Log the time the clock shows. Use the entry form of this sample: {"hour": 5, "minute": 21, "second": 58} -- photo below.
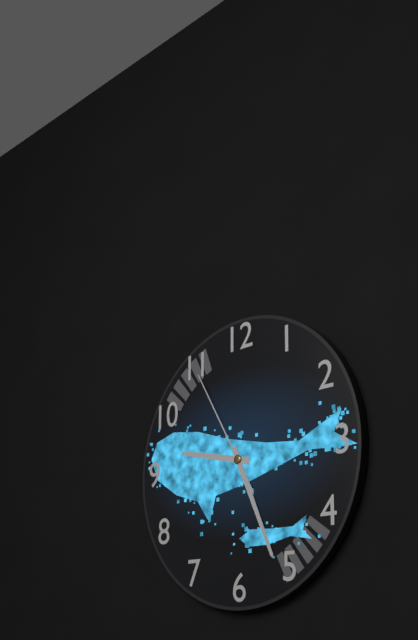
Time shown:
{"hour": 9, "minute": 26, "second": 55}
